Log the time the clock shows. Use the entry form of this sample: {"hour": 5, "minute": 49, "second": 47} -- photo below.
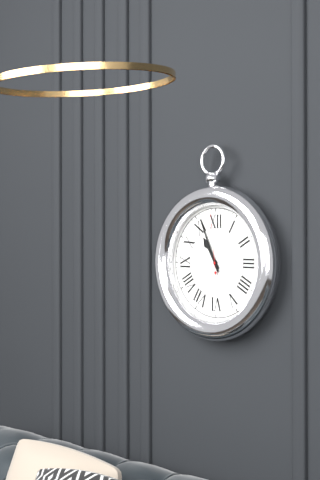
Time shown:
{"hour": 10, "minute": 56, "second": 59}
